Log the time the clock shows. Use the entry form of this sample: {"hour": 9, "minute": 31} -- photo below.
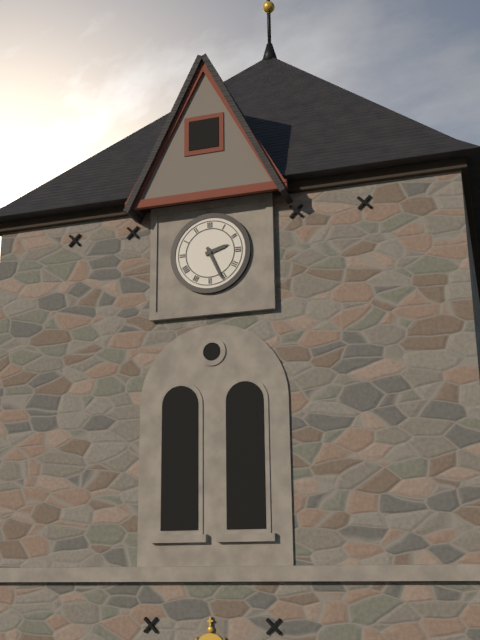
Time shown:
{"hour": 2, "minute": 26}
